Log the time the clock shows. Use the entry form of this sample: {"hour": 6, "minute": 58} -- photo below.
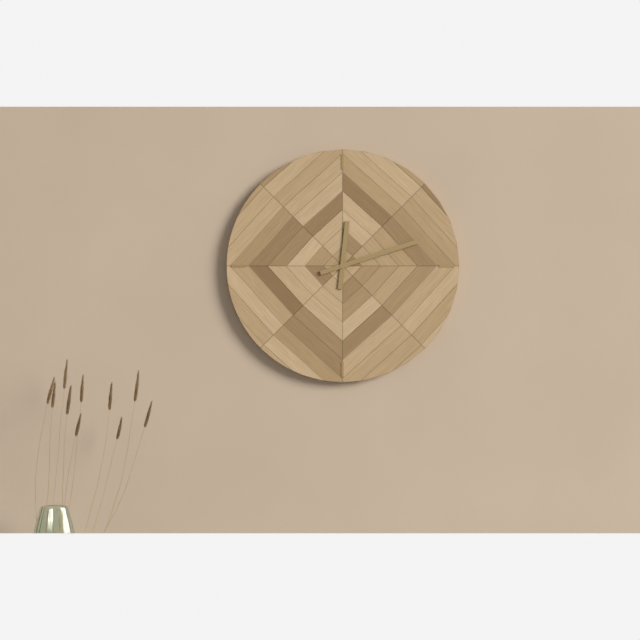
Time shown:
{"hour": 12, "minute": 12}
